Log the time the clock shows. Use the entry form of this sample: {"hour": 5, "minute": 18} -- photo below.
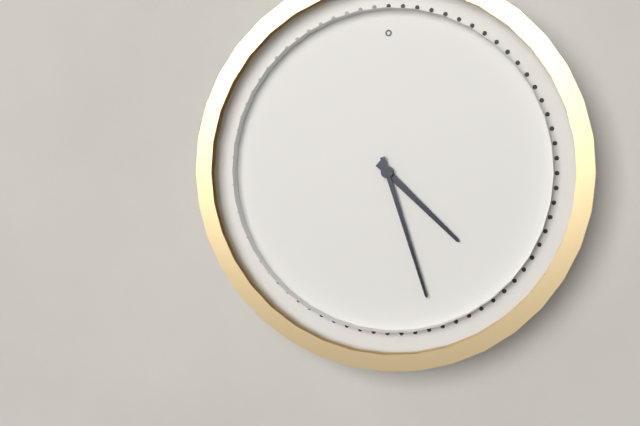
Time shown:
{"hour": 4, "minute": 27}
